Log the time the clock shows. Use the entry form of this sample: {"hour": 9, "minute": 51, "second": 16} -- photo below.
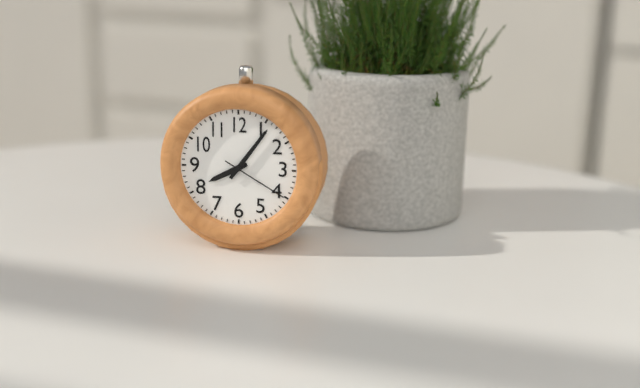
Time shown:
{"hour": 8, "minute": 6, "second": 20}
